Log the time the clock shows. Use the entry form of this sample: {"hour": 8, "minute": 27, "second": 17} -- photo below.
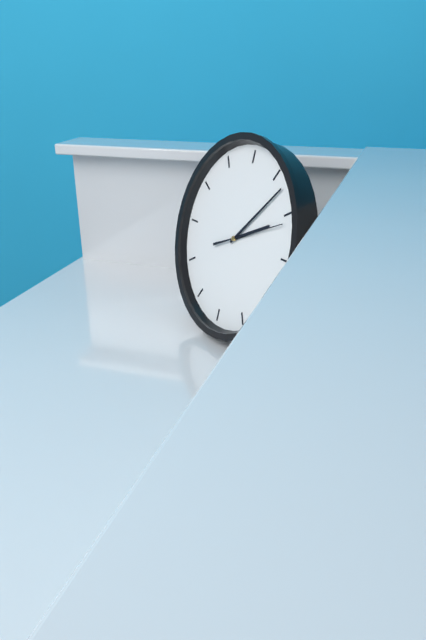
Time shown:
{"hour": 2, "minute": 7, "second": 11}
